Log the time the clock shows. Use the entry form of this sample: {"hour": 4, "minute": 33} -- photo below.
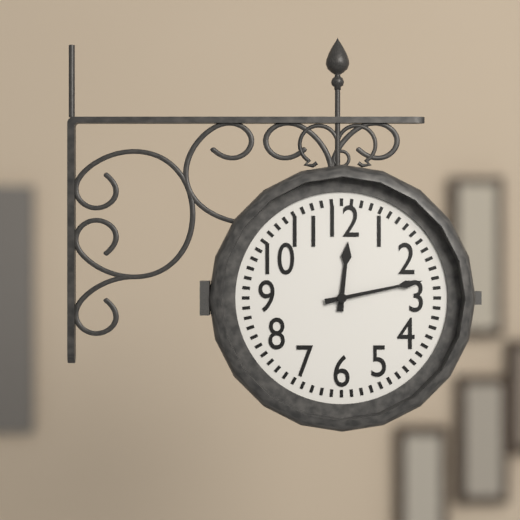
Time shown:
{"hour": 12, "minute": 13}
